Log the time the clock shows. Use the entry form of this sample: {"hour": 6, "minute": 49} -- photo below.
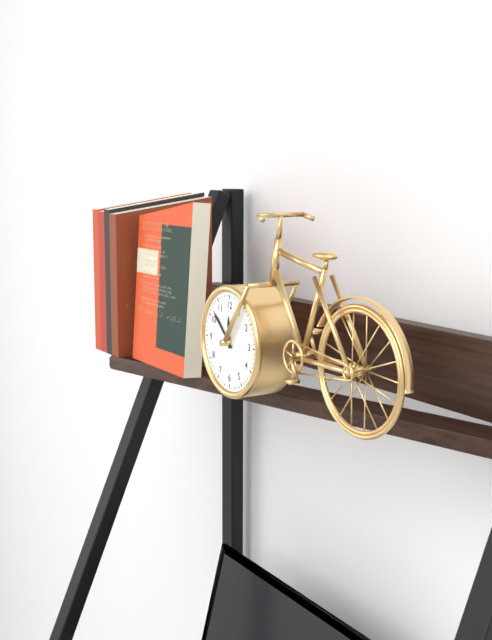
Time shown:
{"hour": 11, "minute": 52}
